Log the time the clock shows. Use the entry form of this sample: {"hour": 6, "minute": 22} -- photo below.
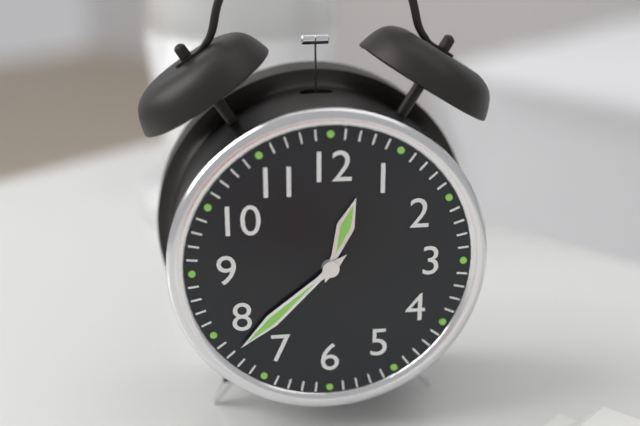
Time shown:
{"hour": 12, "minute": 38}
